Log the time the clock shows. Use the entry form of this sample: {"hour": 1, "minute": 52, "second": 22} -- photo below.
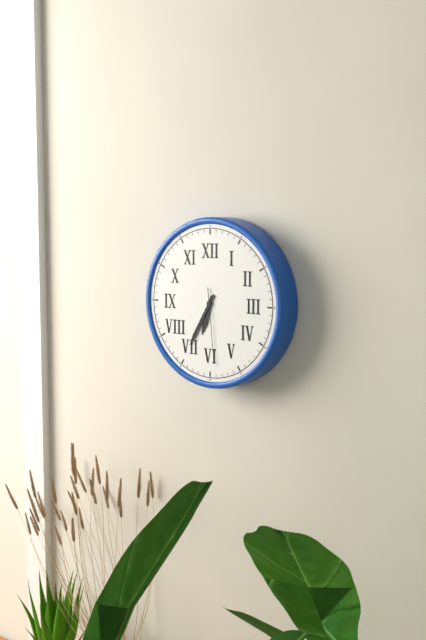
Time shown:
{"hour": 6, "minute": 35, "second": 29}
